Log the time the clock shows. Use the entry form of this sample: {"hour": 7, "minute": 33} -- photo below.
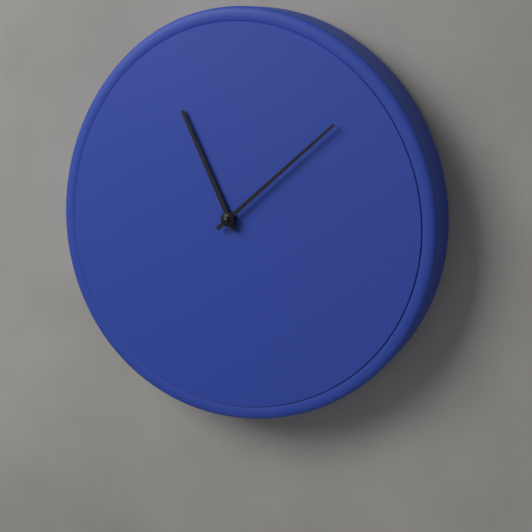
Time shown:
{"hour": 11, "minute": 8}
